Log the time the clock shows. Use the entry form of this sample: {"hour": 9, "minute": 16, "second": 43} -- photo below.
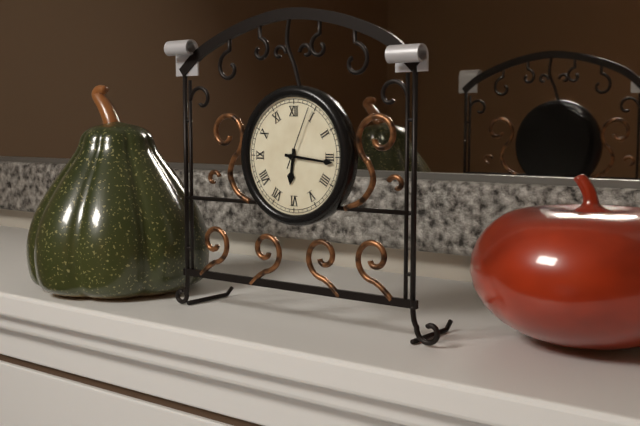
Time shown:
{"hour": 6, "minute": 16, "second": 4}
